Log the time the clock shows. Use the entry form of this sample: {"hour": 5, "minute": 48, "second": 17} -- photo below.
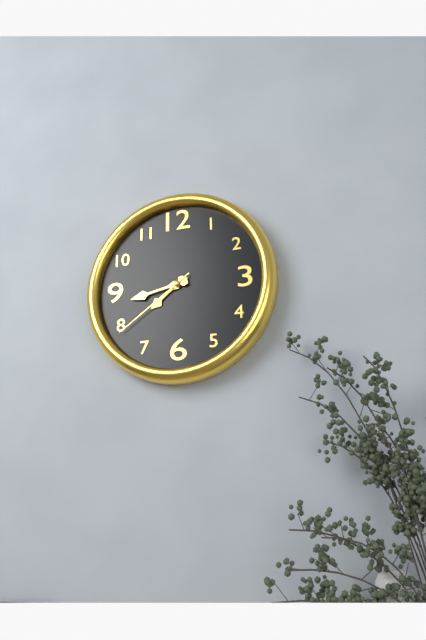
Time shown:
{"hour": 7, "minute": 43, "second": 39}
